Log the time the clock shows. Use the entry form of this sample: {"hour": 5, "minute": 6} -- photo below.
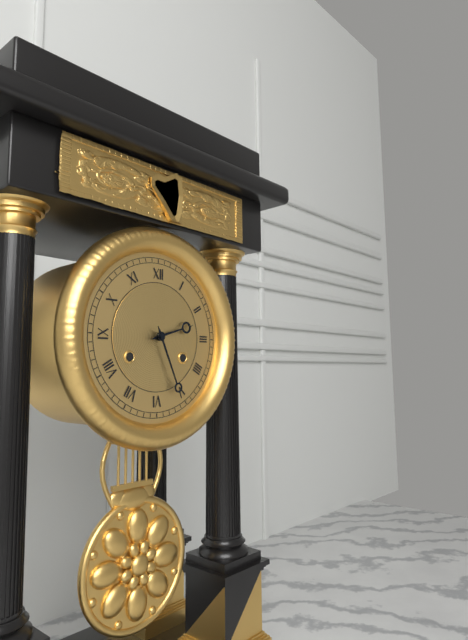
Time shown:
{"hour": 2, "minute": 26}
